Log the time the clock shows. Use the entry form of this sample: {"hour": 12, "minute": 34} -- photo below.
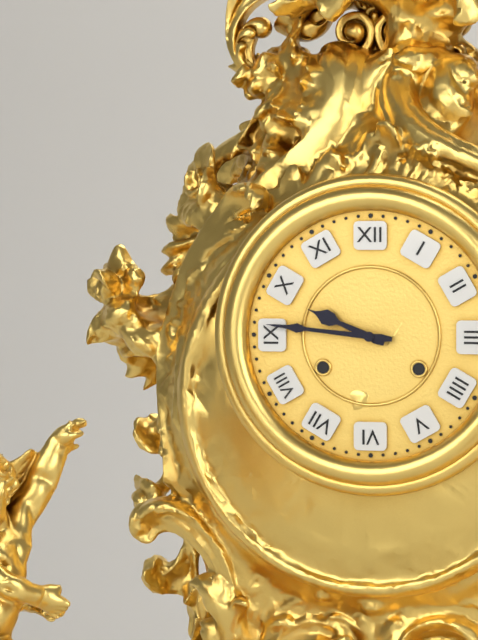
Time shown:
{"hour": 9, "minute": 46}
